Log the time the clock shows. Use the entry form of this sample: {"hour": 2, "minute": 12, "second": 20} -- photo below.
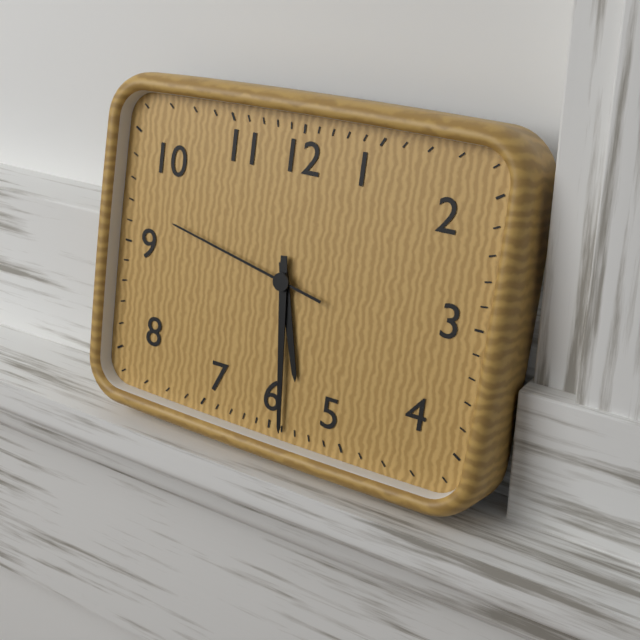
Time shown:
{"hour": 5, "minute": 29, "second": 47}
